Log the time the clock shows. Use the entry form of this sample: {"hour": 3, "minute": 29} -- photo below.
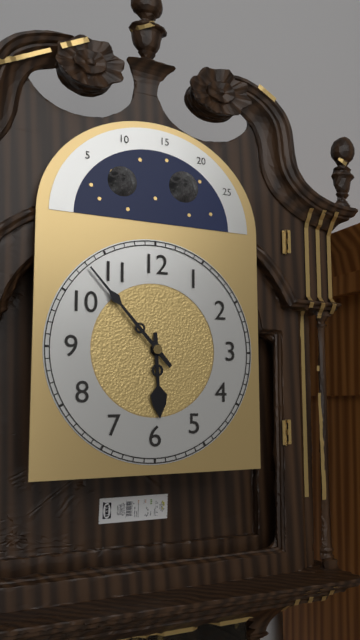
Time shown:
{"hour": 5, "minute": 53}
